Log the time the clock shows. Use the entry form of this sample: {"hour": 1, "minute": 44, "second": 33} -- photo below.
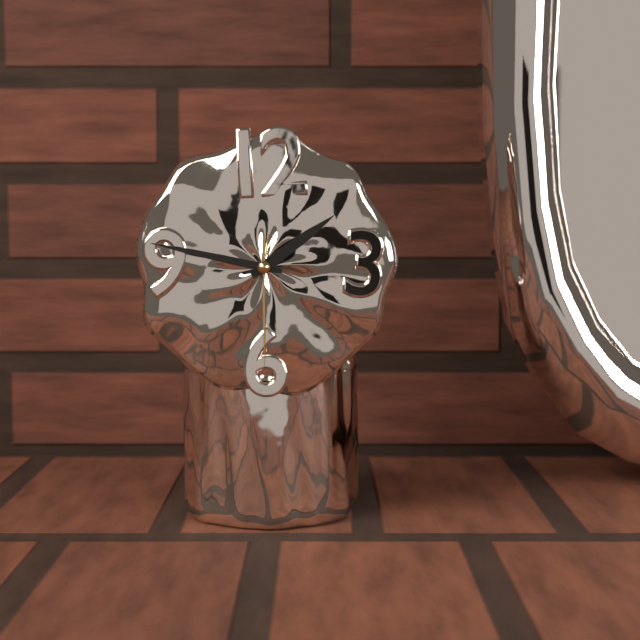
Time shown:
{"hour": 1, "minute": 47, "second": 30}
